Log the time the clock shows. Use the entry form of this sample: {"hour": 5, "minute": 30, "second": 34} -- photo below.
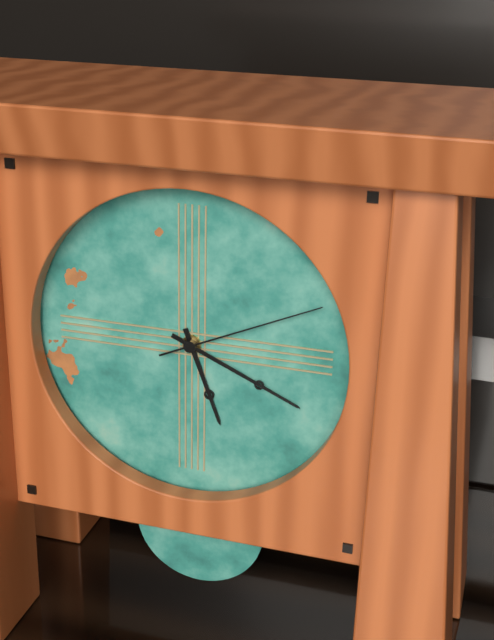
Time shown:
{"hour": 5, "minute": 19, "second": 11}
